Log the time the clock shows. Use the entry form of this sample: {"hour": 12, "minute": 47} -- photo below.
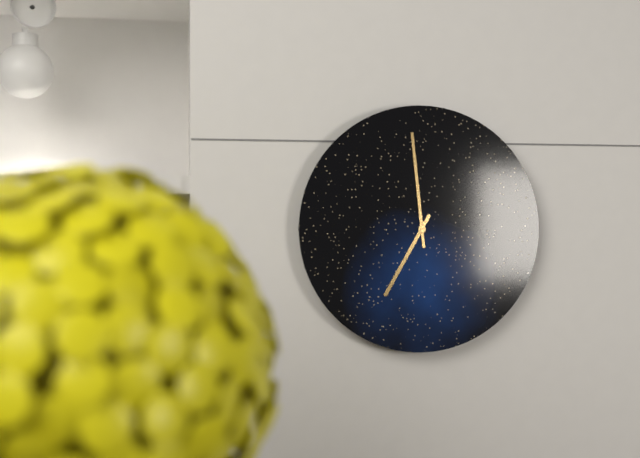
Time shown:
{"hour": 6, "minute": 59}
